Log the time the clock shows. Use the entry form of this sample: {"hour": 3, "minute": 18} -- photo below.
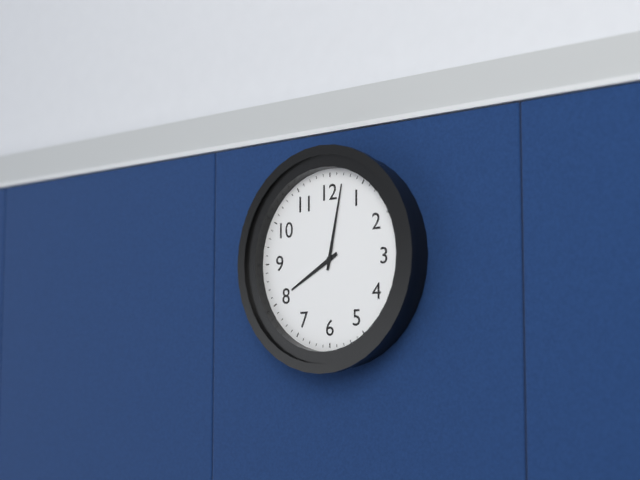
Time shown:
{"hour": 8, "minute": 2}
